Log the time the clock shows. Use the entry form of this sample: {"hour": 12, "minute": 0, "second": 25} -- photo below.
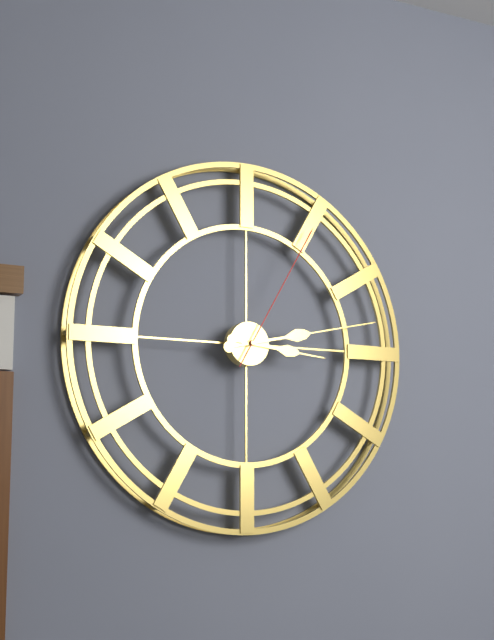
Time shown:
{"hour": 3, "minute": 13, "second": 5}
